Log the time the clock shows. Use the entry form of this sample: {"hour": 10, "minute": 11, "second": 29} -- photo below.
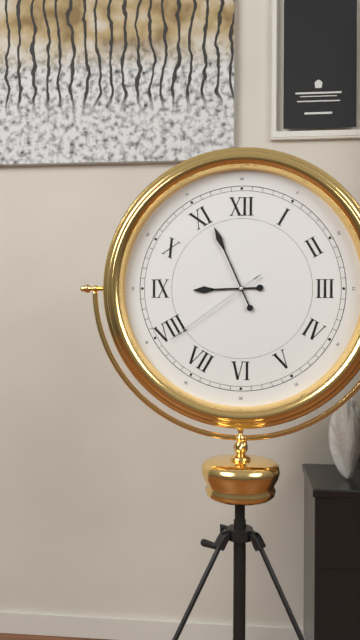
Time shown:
{"hour": 8, "minute": 56, "second": 39}
